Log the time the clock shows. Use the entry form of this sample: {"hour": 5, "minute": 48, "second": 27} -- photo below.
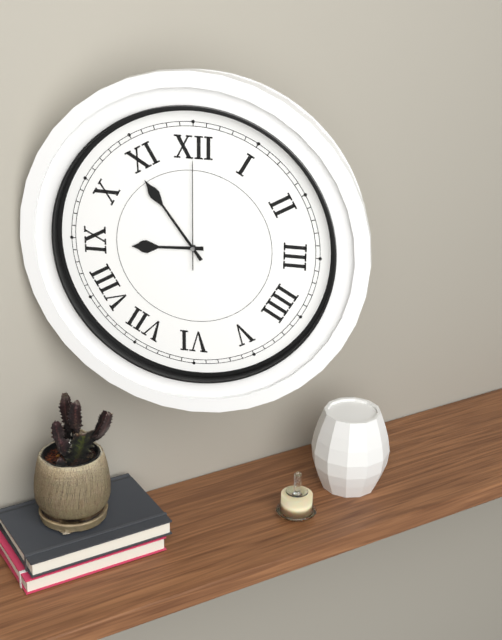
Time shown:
{"hour": 8, "minute": 54, "second": 0}
